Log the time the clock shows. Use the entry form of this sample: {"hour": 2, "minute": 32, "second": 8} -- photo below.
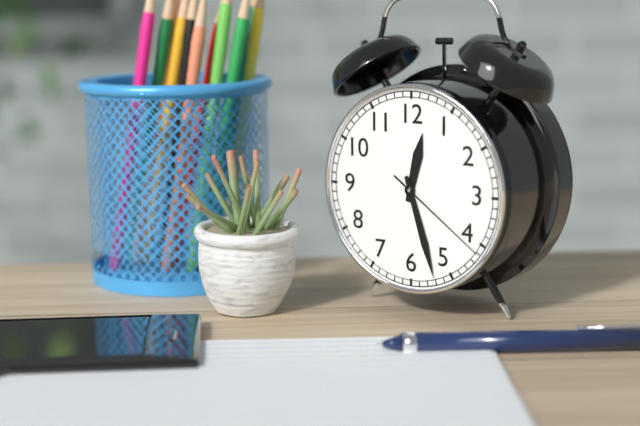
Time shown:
{"hour": 12, "minute": 27, "second": 21}
